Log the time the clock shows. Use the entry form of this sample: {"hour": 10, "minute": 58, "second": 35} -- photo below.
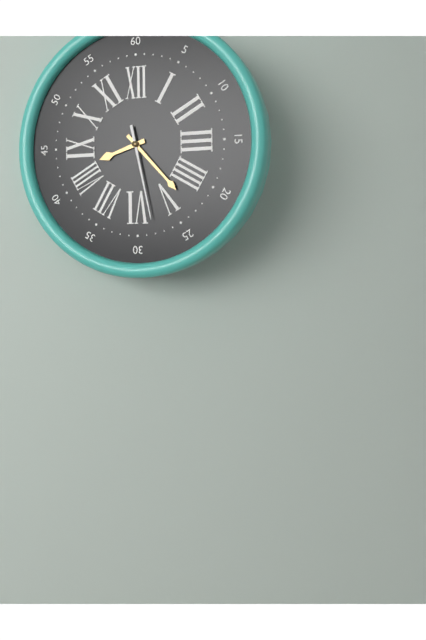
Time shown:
{"hour": 8, "minute": 23, "second": 28}
